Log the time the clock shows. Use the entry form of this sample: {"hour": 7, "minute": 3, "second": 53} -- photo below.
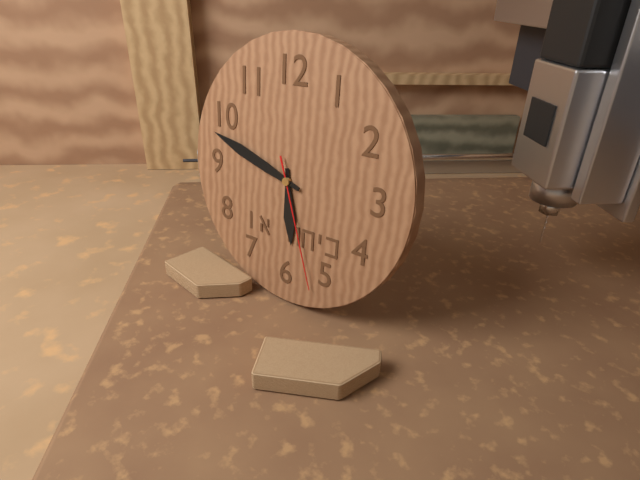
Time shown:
{"hour": 5, "minute": 48, "second": 27}
